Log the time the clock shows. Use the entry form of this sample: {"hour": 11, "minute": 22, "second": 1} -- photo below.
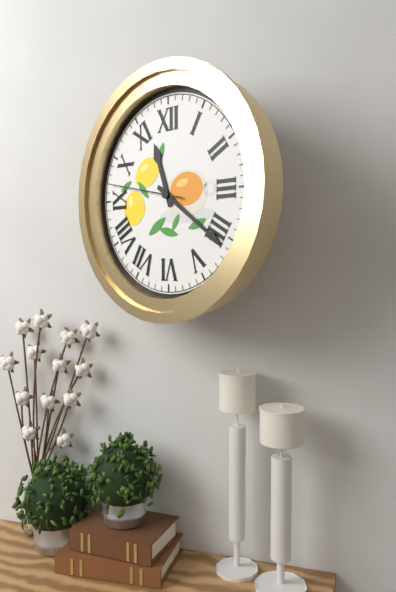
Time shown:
{"hour": 11, "minute": 21, "second": 47}
